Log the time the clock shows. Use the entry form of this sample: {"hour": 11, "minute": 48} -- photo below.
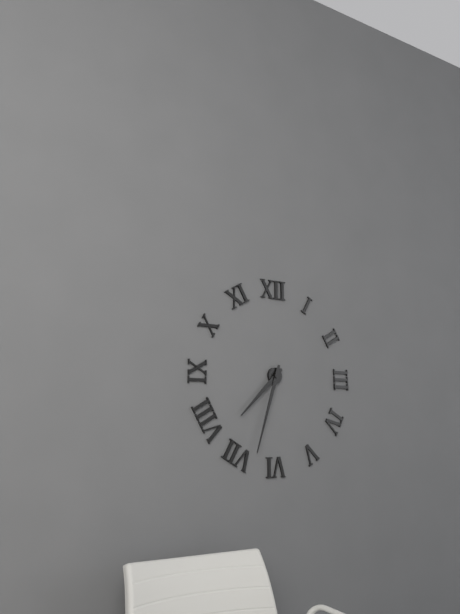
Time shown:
{"hour": 7, "minute": 33}
